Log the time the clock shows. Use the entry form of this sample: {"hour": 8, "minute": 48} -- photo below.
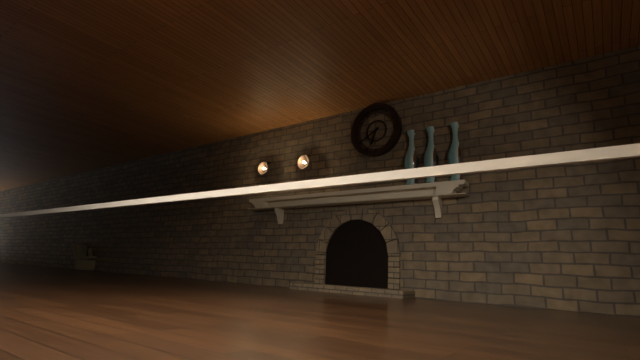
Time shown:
{"hour": 6, "minute": 40}
